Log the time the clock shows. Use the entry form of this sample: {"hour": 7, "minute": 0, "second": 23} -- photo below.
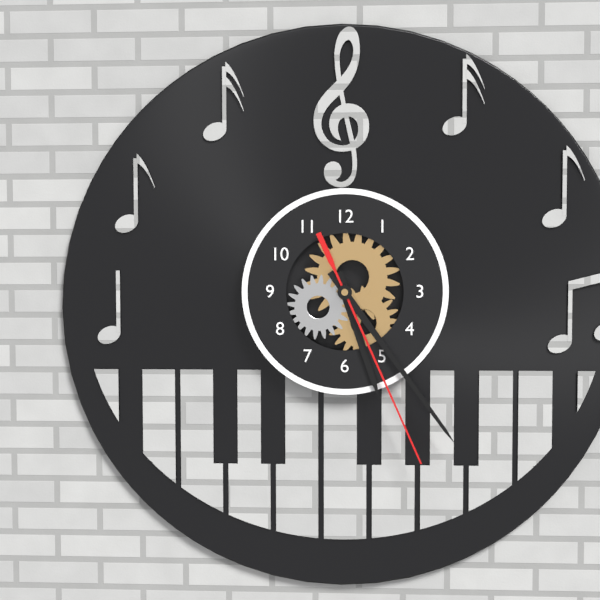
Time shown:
{"hour": 5, "minute": 24, "second": 26}
